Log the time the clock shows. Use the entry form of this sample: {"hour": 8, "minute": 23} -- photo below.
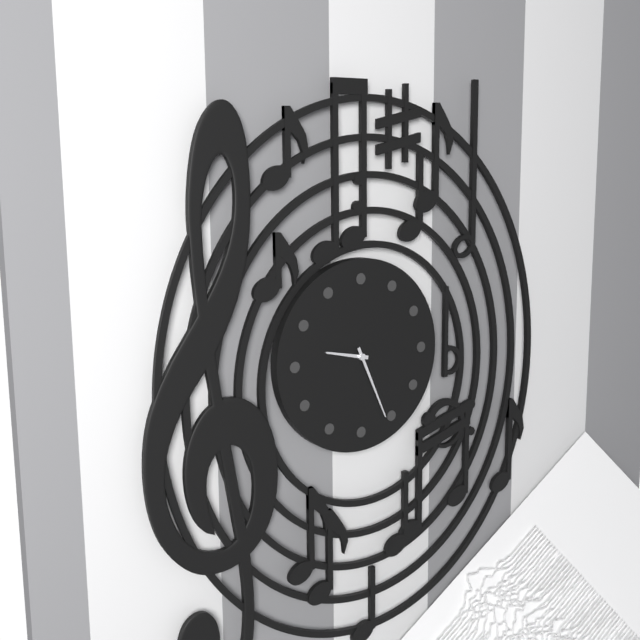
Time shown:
{"hour": 9, "minute": 26}
